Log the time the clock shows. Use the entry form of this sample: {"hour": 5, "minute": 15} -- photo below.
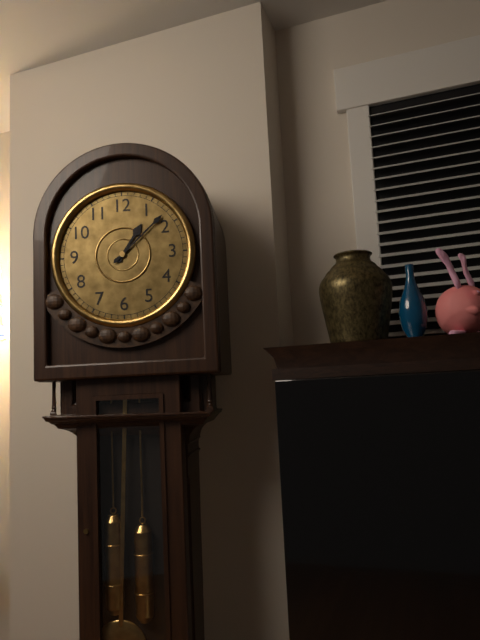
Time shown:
{"hour": 1, "minute": 8}
